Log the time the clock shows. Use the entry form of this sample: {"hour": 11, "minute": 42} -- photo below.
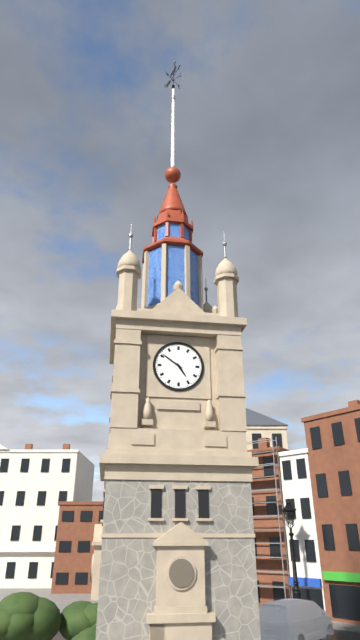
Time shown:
{"hour": 4, "minute": 51}
